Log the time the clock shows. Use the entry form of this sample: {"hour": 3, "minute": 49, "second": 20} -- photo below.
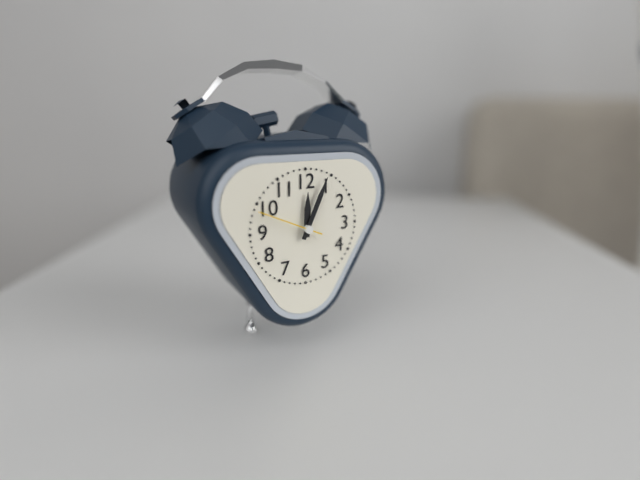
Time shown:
{"hour": 12, "minute": 4, "second": 49}
